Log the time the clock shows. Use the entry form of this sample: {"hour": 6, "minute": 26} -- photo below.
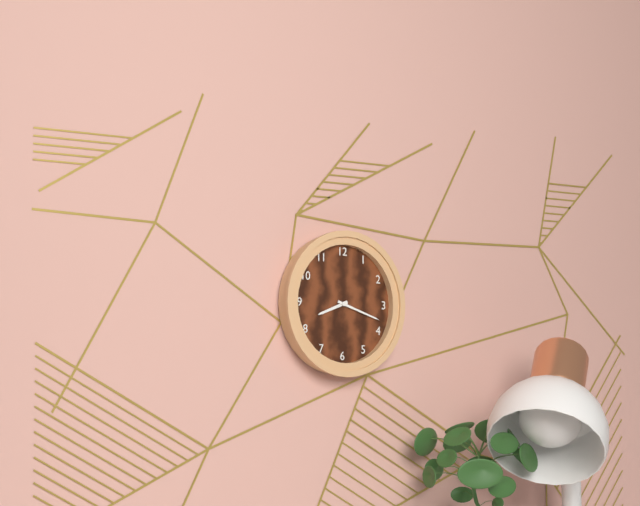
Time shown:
{"hour": 8, "minute": 18}
